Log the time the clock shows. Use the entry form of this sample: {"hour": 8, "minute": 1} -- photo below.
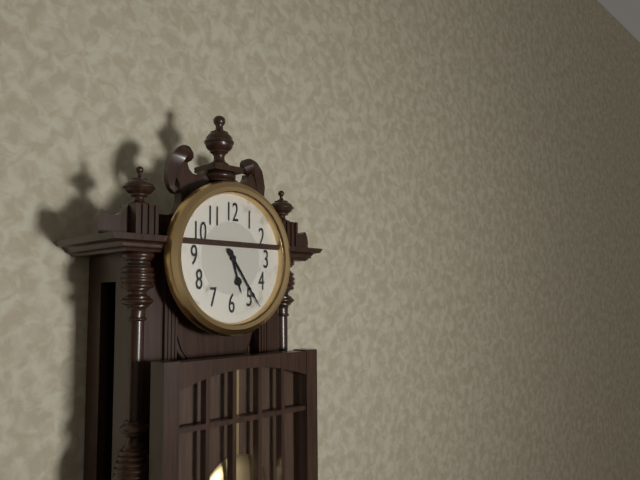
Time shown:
{"hour": 5, "minute": 24}
